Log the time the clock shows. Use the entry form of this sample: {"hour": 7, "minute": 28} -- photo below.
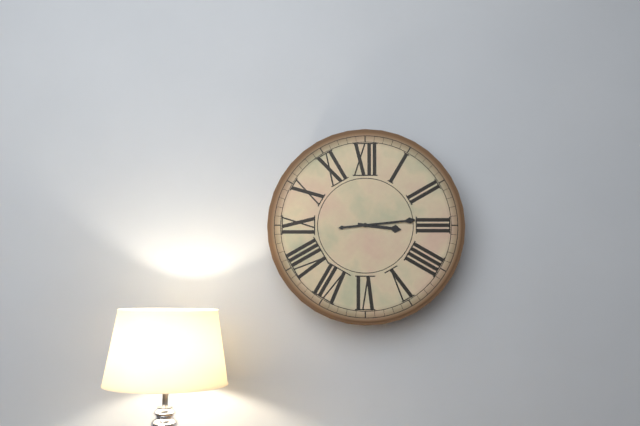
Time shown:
{"hour": 3, "minute": 14}
